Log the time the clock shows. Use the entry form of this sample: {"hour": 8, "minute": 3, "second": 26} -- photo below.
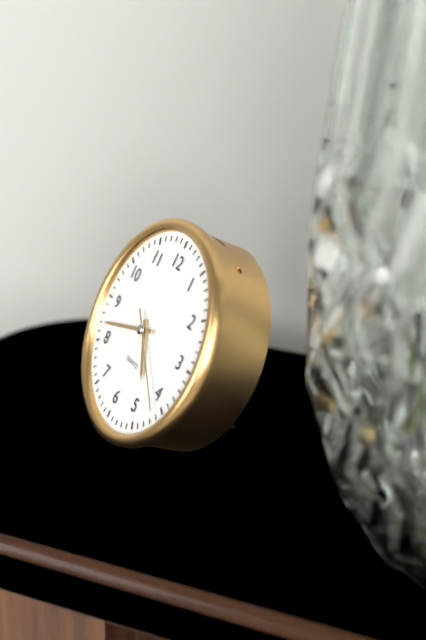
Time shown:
{"hour": 4, "minute": 42, "second": 21}
